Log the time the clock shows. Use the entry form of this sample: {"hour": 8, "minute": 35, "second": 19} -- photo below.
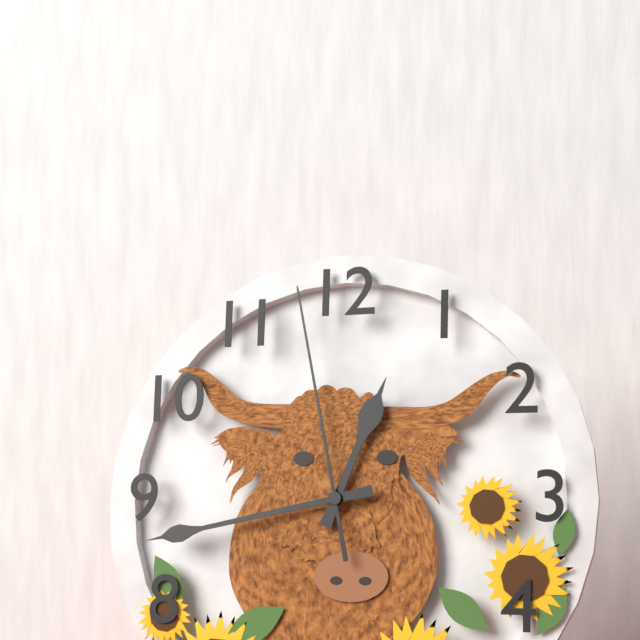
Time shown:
{"hour": 12, "minute": 43, "second": 58}
